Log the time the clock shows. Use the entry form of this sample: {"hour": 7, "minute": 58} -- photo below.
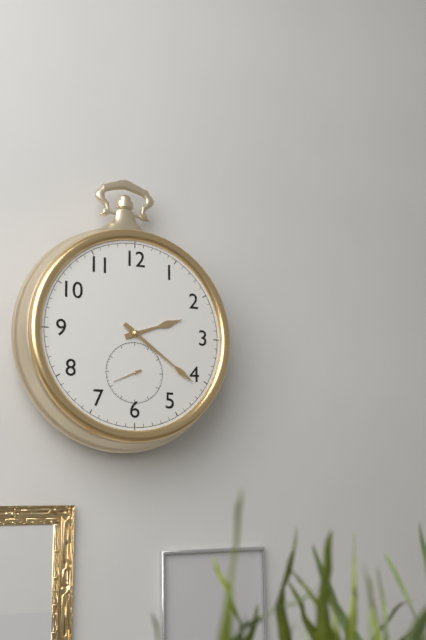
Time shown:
{"hour": 2, "minute": 21}
